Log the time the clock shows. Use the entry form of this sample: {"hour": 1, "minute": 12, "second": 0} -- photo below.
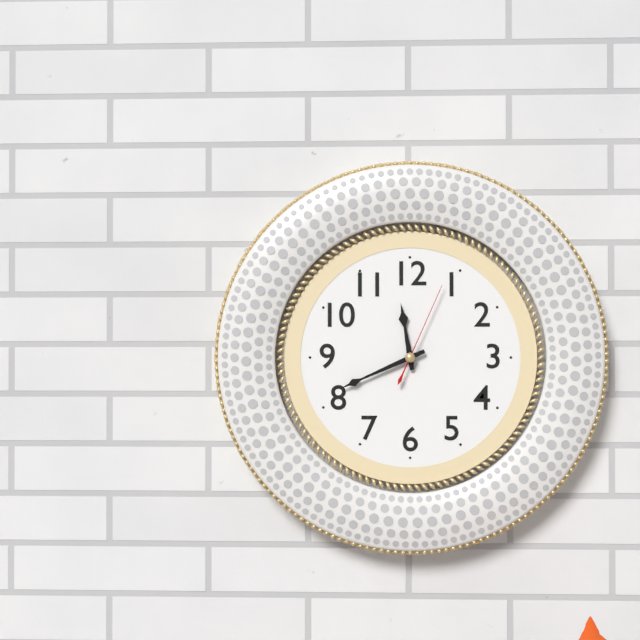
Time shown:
{"hour": 11, "minute": 41, "second": 4}
